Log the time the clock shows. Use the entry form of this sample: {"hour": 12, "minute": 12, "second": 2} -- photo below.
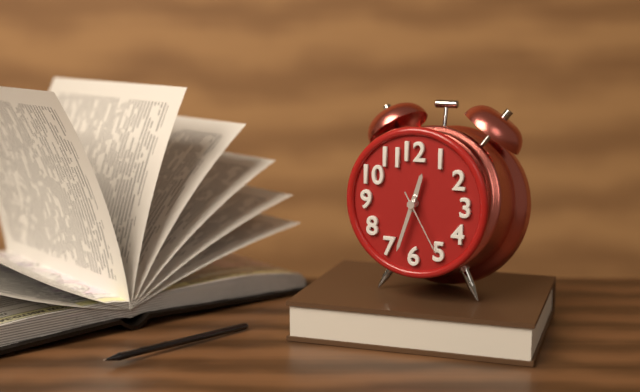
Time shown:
{"hour": 12, "minute": 33, "second": 25}
